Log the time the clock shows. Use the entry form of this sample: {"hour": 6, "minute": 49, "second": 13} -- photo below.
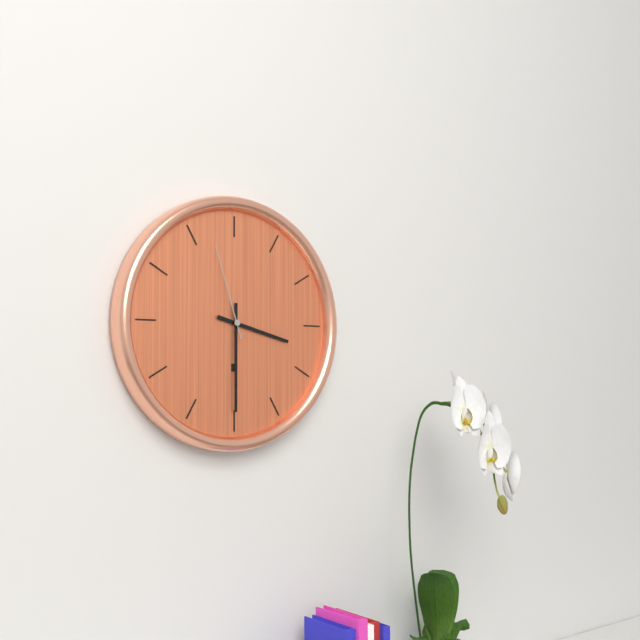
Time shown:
{"hour": 3, "minute": 30, "second": 57}
